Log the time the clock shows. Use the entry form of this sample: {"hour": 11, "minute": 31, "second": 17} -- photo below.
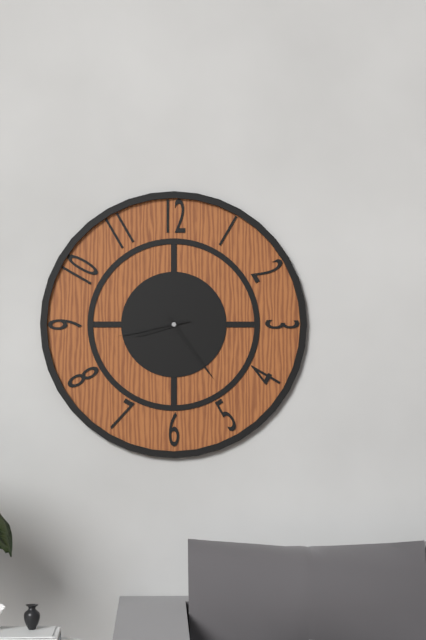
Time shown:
{"hour": 8, "minute": 24, "second": 43}
